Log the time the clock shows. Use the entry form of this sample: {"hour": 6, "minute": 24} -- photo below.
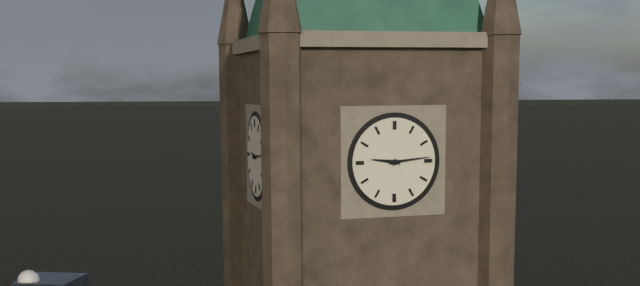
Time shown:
{"hour": 9, "minute": 14}
